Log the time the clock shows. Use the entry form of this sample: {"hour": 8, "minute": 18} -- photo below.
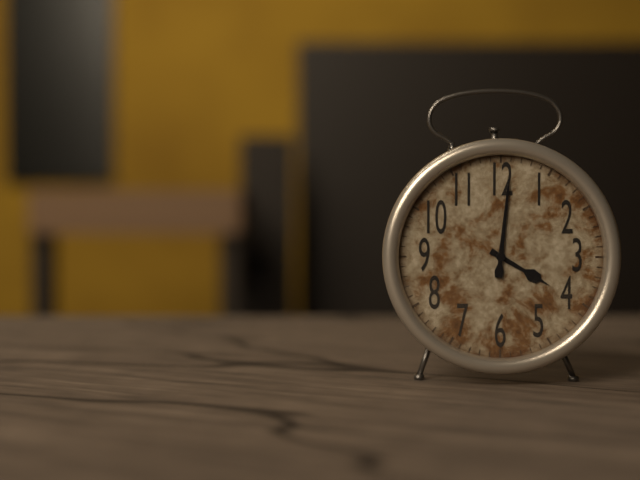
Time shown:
{"hour": 4, "minute": 1}
